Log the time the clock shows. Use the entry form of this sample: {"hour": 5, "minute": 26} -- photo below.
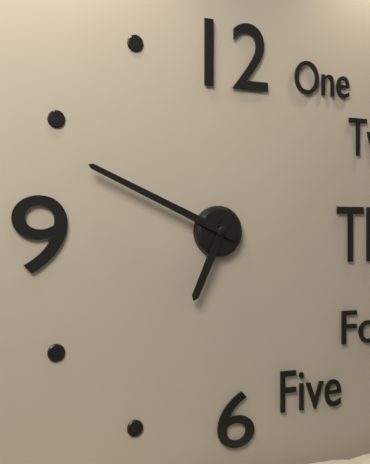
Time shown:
{"hour": 6, "minute": 49}
